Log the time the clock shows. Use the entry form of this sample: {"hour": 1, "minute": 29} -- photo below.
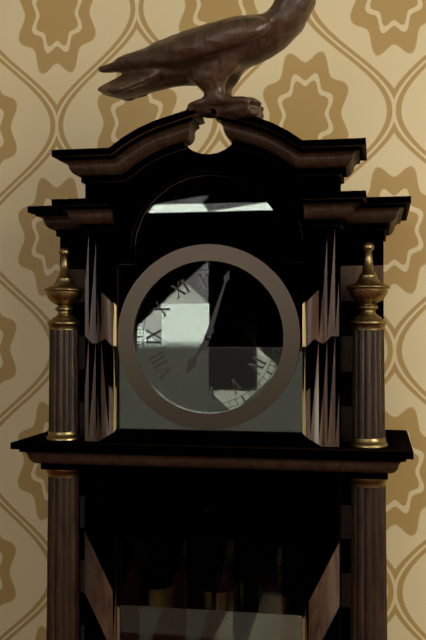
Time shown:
{"hour": 7, "minute": 3}
